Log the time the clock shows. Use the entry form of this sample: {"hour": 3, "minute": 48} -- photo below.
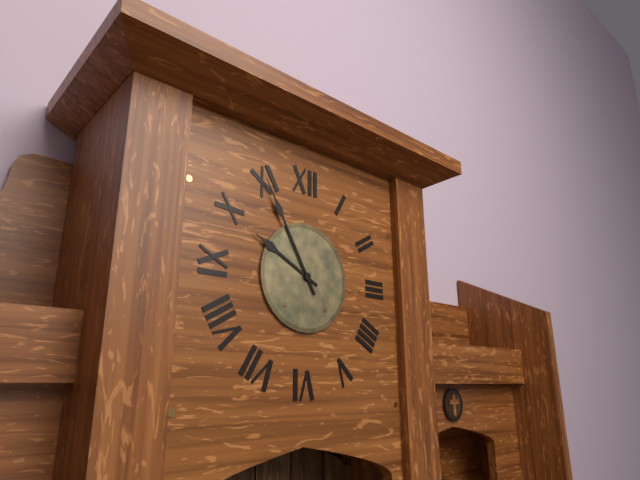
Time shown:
{"hour": 9, "minute": 55}
